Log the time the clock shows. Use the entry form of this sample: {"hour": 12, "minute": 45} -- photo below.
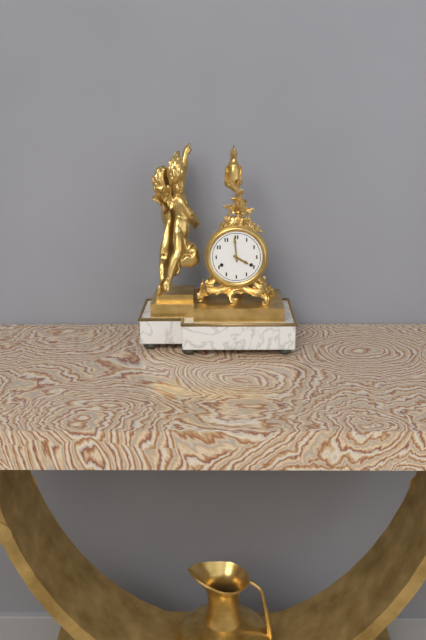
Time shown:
{"hour": 3, "minute": 59}
